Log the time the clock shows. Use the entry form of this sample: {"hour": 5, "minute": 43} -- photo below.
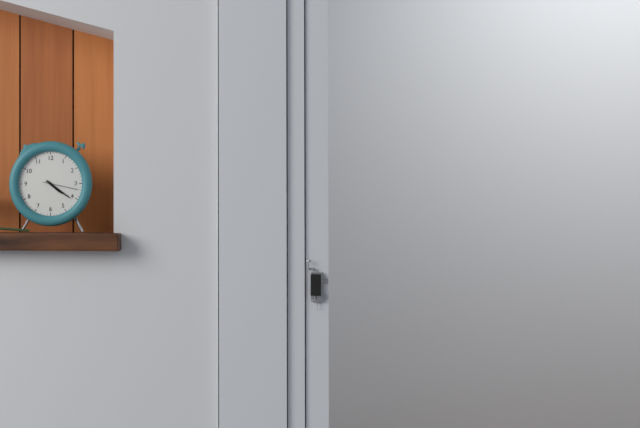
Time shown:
{"hour": 4, "minute": 21}
